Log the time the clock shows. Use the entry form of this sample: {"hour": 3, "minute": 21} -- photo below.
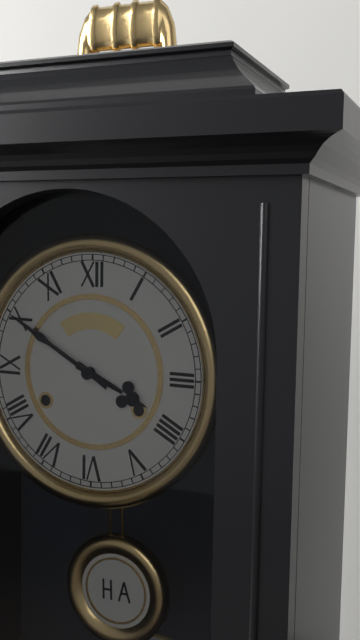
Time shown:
{"hour": 3, "minute": 50}
